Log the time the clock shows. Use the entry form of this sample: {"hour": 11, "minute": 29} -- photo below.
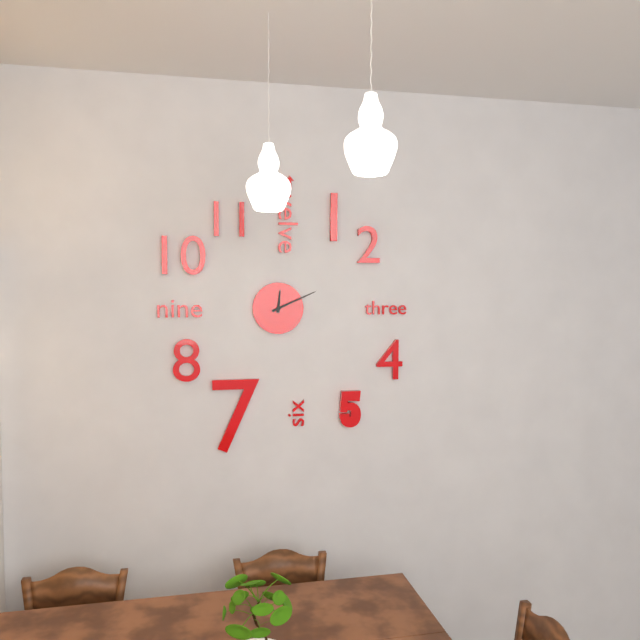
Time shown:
{"hour": 12, "minute": 11}
